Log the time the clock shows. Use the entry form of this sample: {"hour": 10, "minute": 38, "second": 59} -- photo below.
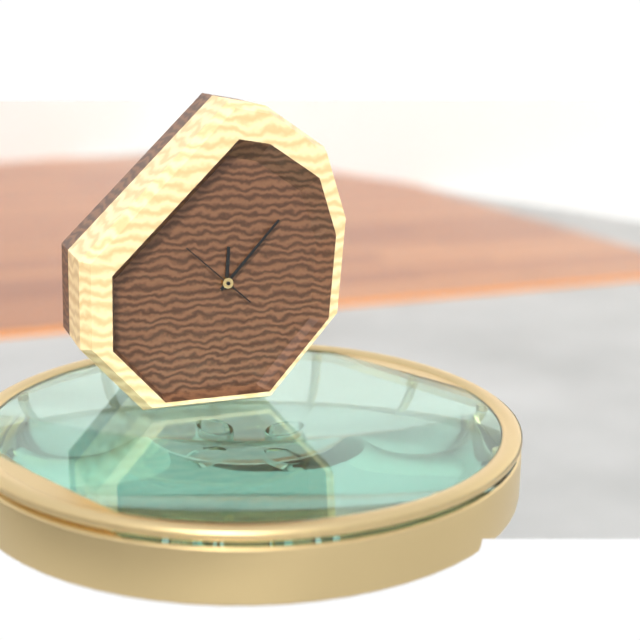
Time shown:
{"hour": 12, "minute": 7, "second": 52}
